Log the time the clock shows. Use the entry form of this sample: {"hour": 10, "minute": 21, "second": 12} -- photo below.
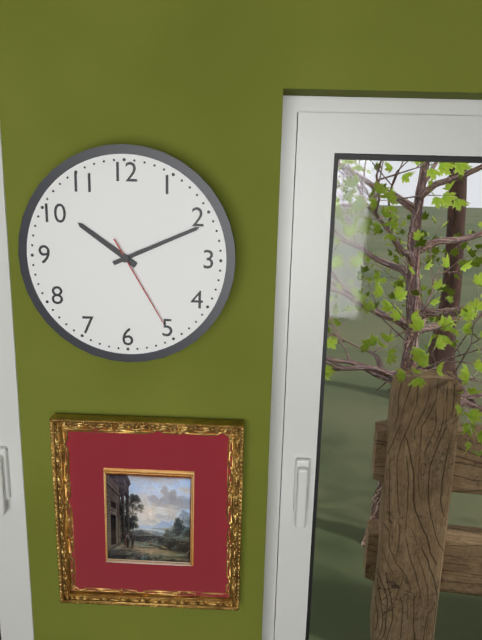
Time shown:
{"hour": 10, "minute": 11, "second": 25}
